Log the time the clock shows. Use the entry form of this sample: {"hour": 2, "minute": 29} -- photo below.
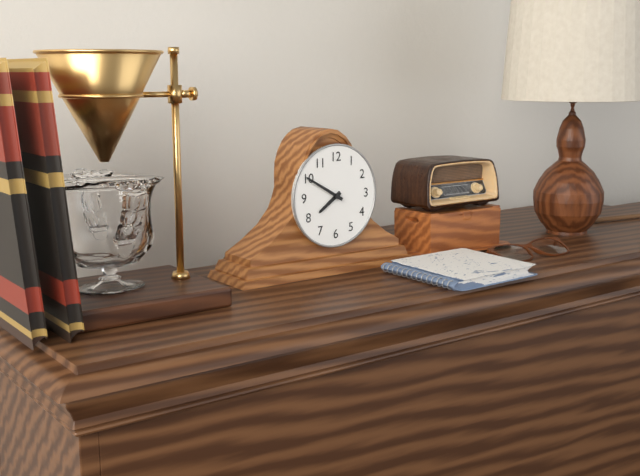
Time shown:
{"hour": 7, "minute": 50}
